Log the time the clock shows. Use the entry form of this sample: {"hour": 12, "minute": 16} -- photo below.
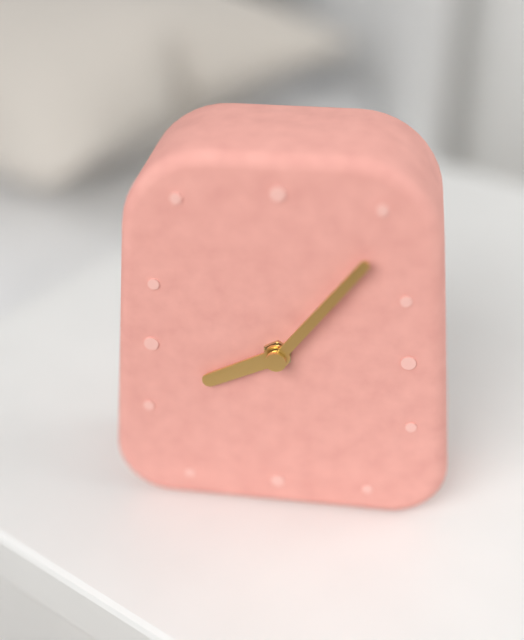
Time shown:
{"hour": 8, "minute": 6}
